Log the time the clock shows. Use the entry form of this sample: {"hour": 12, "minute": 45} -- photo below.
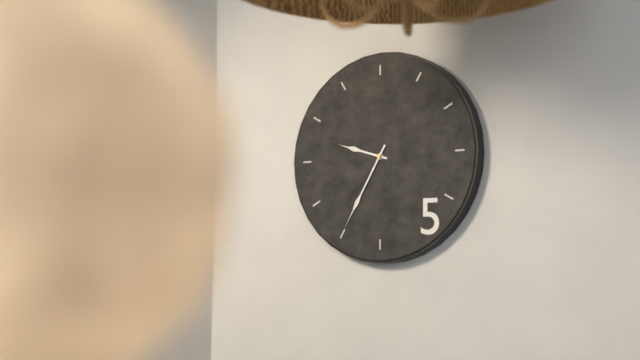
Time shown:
{"hour": 9, "minute": 35}
